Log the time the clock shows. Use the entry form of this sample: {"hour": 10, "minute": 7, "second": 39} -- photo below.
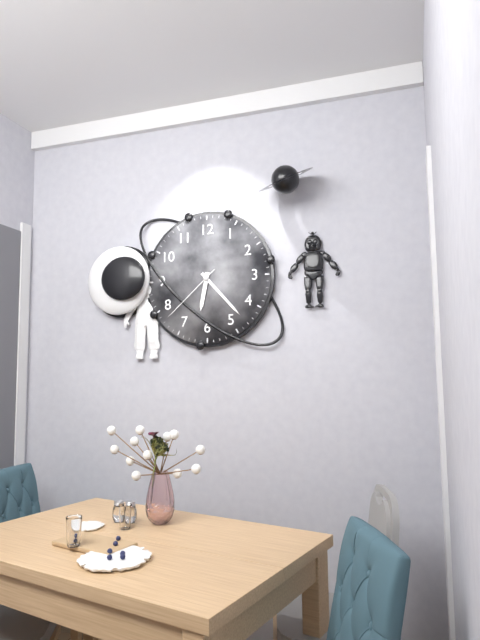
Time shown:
{"hour": 6, "minute": 23, "second": 38}
